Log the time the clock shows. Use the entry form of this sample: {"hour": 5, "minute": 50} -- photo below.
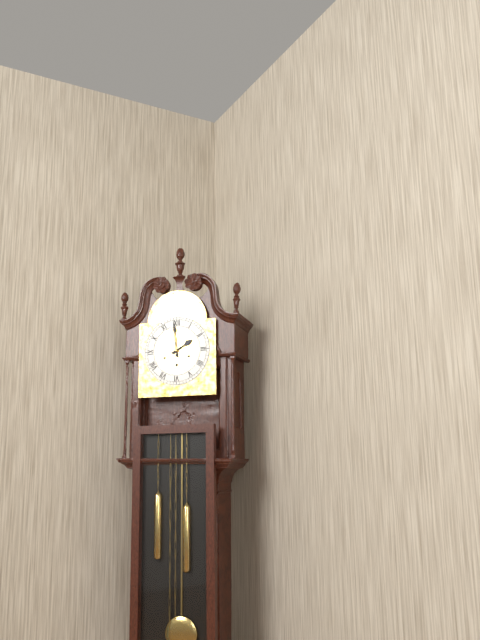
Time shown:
{"hour": 1, "minute": 59}
